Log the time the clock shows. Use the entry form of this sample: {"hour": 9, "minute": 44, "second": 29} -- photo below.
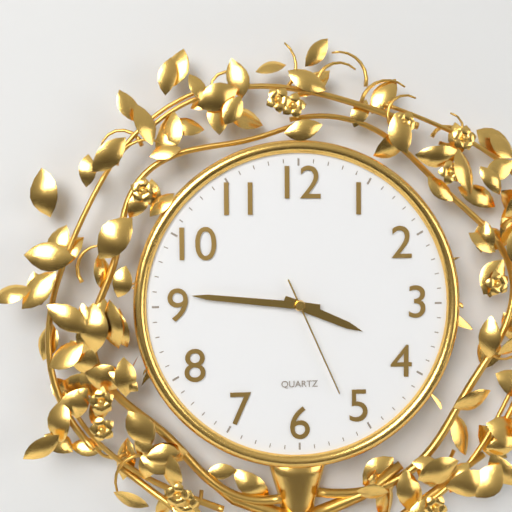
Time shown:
{"hour": 3, "minute": 46, "second": 26}
